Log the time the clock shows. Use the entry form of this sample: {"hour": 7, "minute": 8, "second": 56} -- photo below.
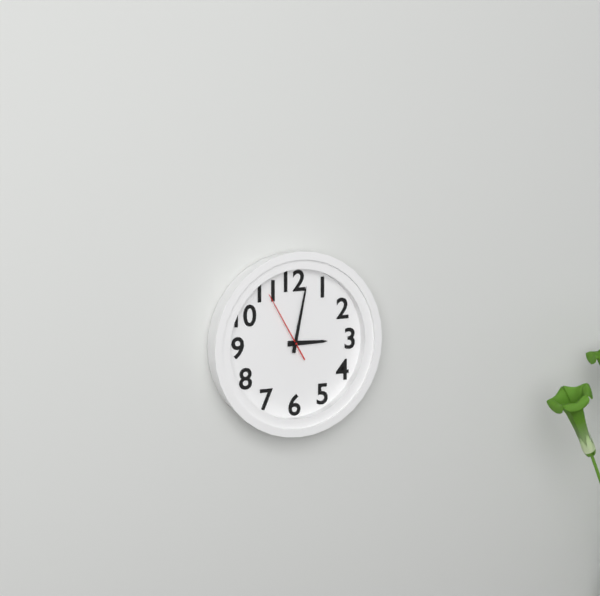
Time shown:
{"hour": 3, "minute": 2, "second": 55}
